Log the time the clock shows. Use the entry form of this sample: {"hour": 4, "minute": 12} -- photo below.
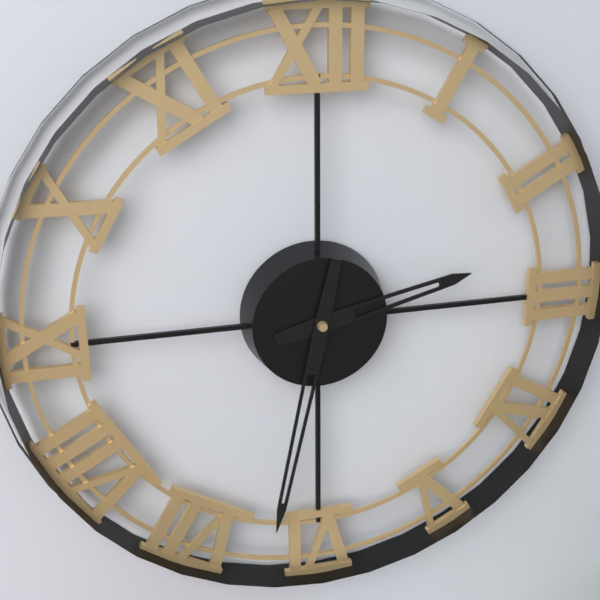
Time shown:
{"hour": 2, "minute": 32}
